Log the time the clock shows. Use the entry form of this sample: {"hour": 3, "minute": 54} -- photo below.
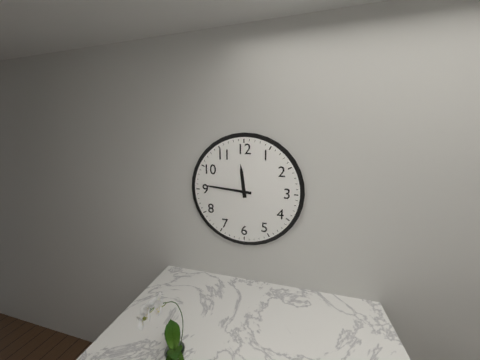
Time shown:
{"hour": 11, "minute": 46}
